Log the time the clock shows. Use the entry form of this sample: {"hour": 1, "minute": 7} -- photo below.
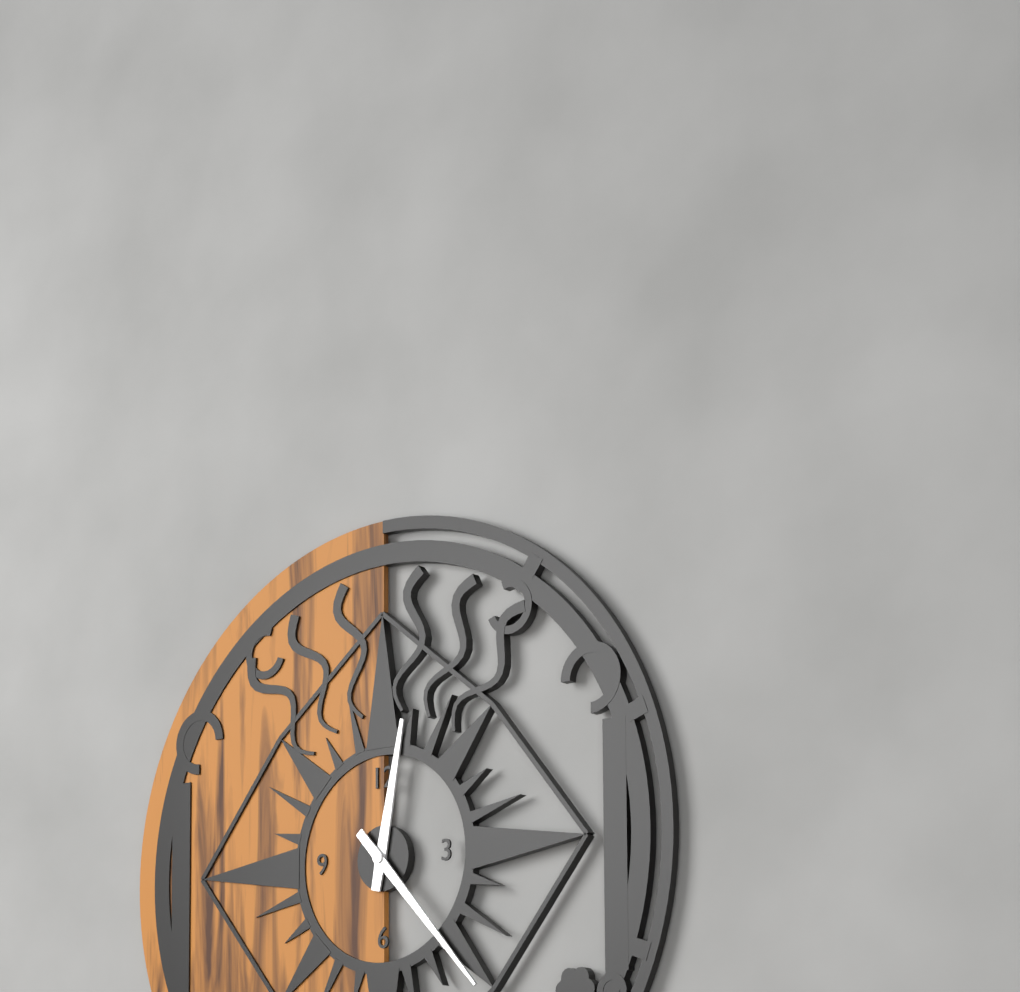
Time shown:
{"hour": 12, "minute": 23}
